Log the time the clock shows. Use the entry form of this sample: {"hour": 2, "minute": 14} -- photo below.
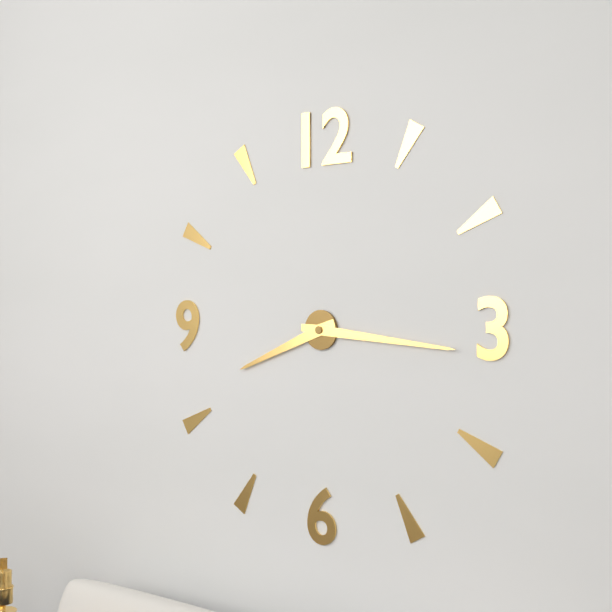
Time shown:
{"hour": 8, "minute": 16}
